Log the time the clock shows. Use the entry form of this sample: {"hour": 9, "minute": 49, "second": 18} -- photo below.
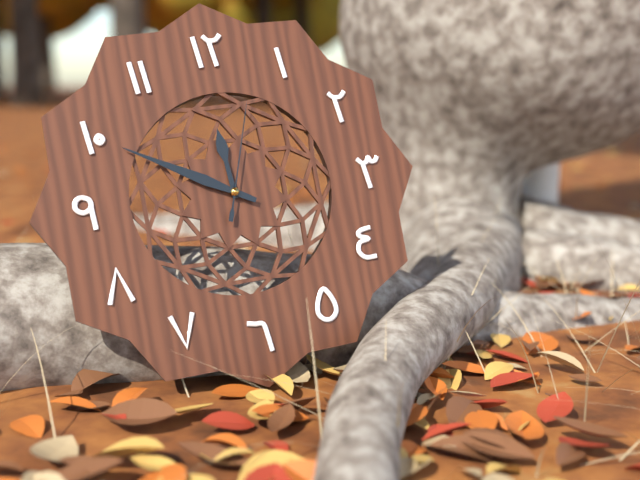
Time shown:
{"hour": 11, "minute": 50, "second": 3}
